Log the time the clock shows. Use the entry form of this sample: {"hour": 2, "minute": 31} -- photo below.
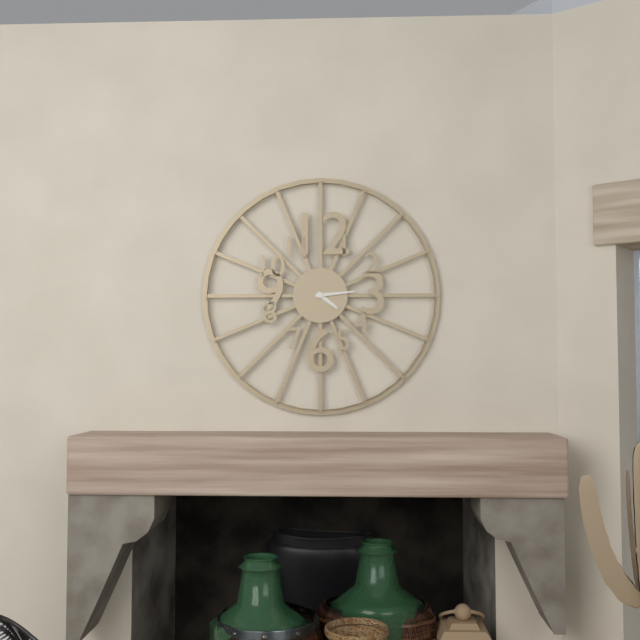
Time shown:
{"hour": 4, "minute": 14}
